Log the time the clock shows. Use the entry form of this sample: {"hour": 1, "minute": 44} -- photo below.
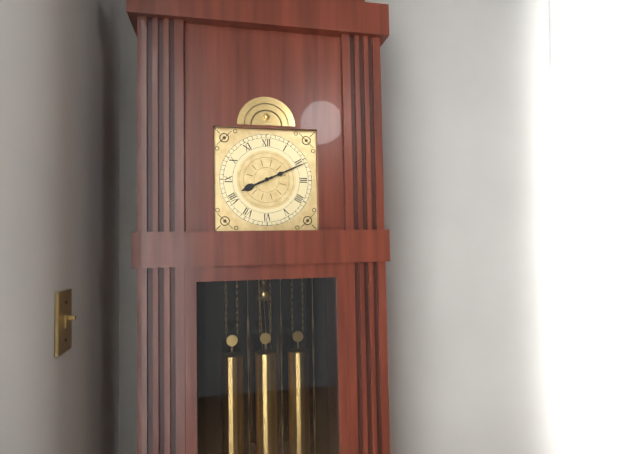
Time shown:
{"hour": 8, "minute": 11}
